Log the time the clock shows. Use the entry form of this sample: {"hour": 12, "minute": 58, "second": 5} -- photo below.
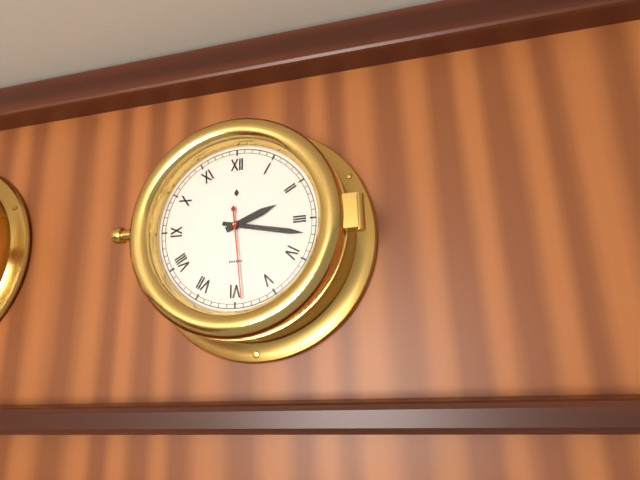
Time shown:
{"hour": 2, "minute": 17, "second": 29}
